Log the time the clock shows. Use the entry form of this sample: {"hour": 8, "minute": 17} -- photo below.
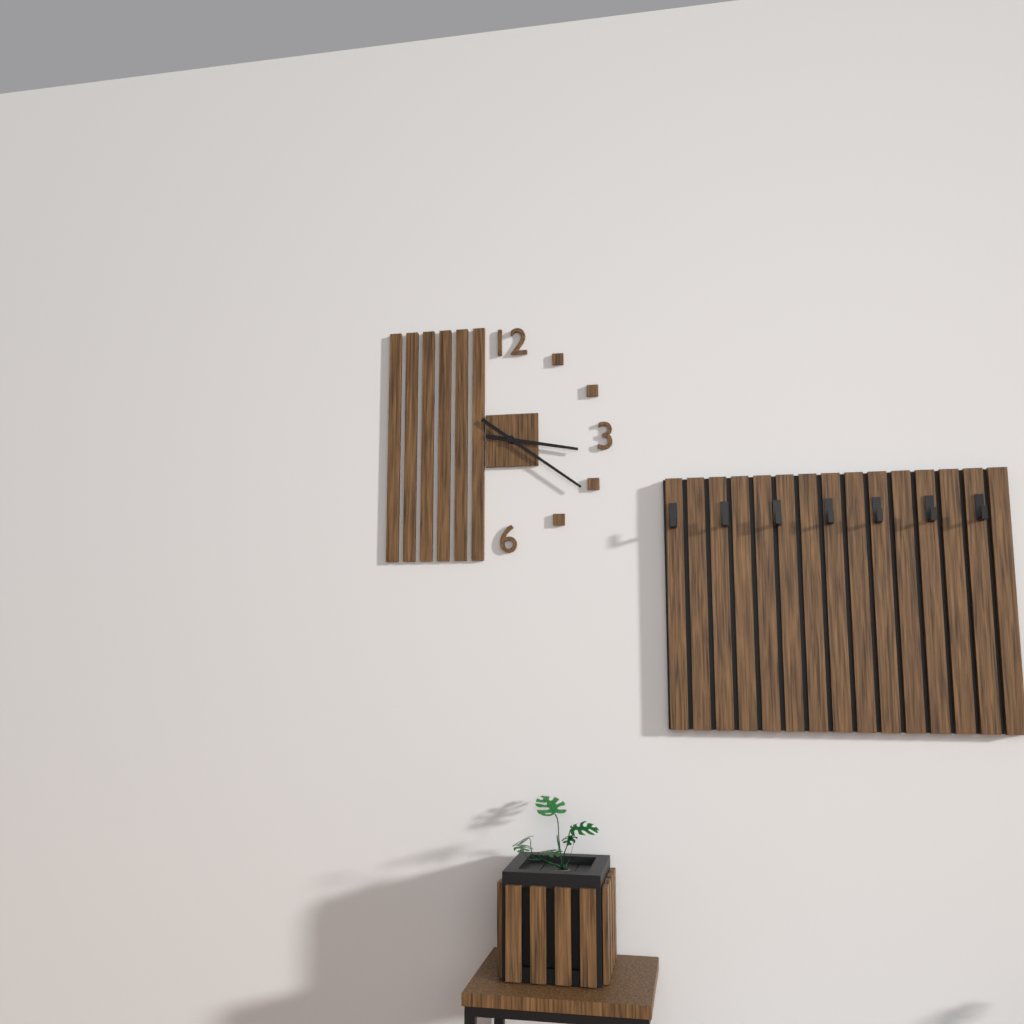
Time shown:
{"hour": 3, "minute": 21}
